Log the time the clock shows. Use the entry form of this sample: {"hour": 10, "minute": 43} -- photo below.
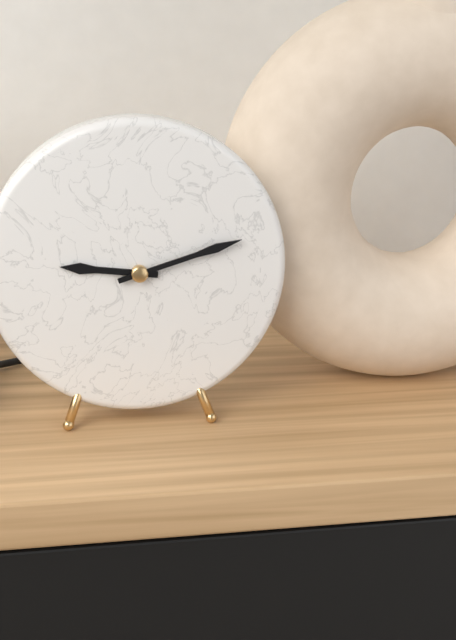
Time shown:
{"hour": 9, "minute": 12}
